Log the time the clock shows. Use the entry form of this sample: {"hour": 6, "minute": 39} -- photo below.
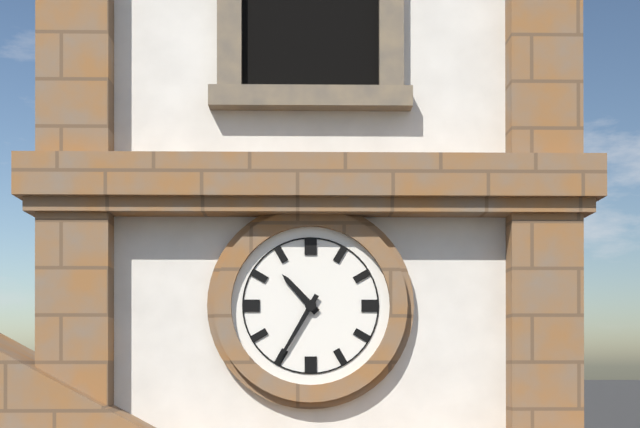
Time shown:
{"hour": 10, "minute": 35}
